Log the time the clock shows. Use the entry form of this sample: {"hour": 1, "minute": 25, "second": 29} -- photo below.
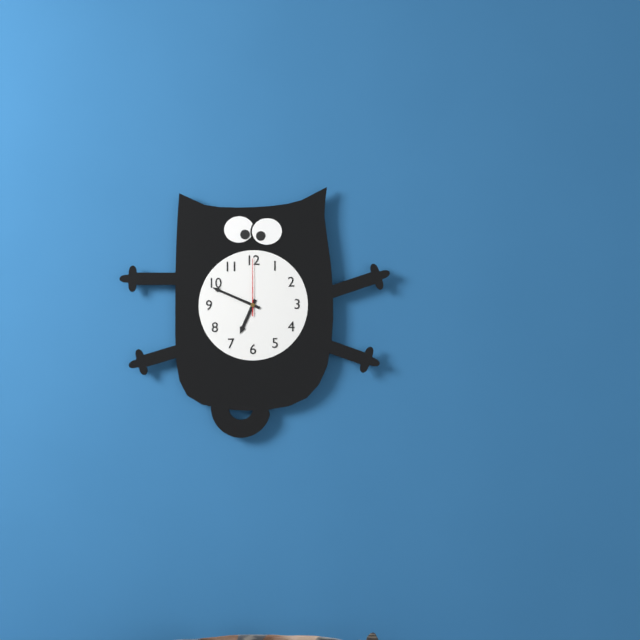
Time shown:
{"hour": 6, "minute": 49, "second": 0}
